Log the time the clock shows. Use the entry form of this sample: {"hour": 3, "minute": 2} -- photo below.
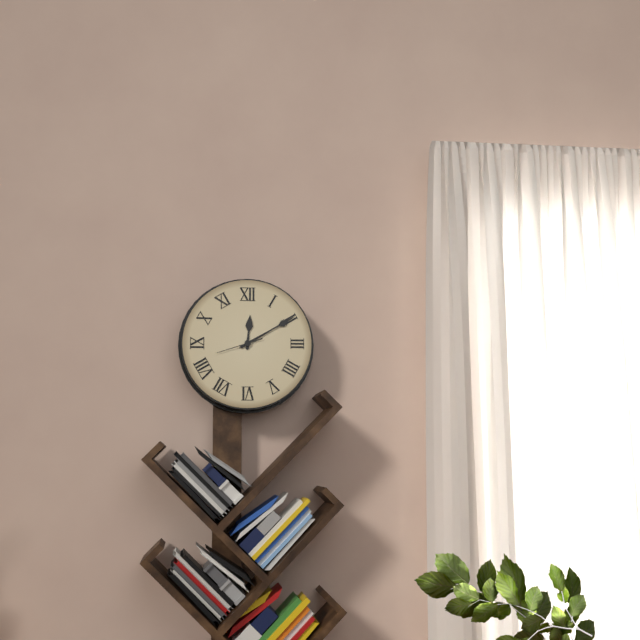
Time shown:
{"hour": 12, "minute": 10}
